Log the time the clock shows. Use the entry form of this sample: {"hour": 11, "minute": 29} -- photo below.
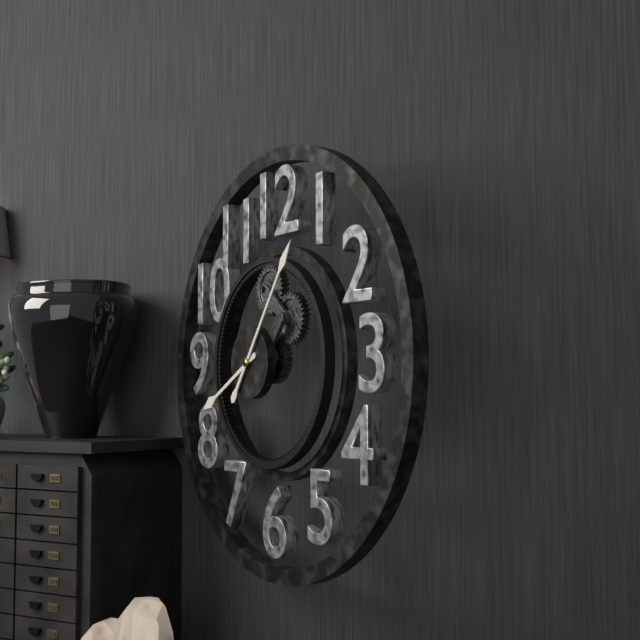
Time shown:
{"hour": 8, "minute": 6}
